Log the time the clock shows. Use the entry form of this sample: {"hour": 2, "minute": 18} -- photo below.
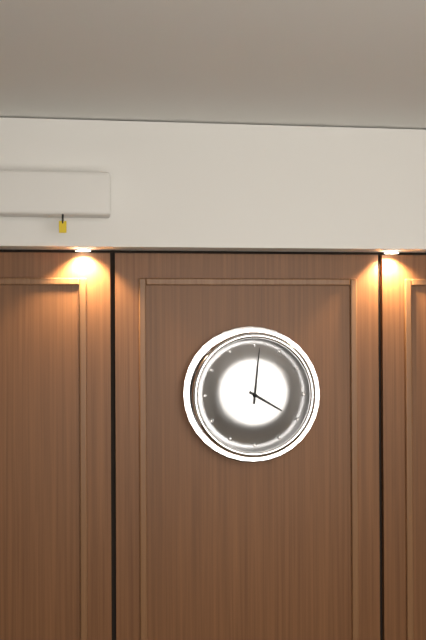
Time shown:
{"hour": 4, "minute": 1}
